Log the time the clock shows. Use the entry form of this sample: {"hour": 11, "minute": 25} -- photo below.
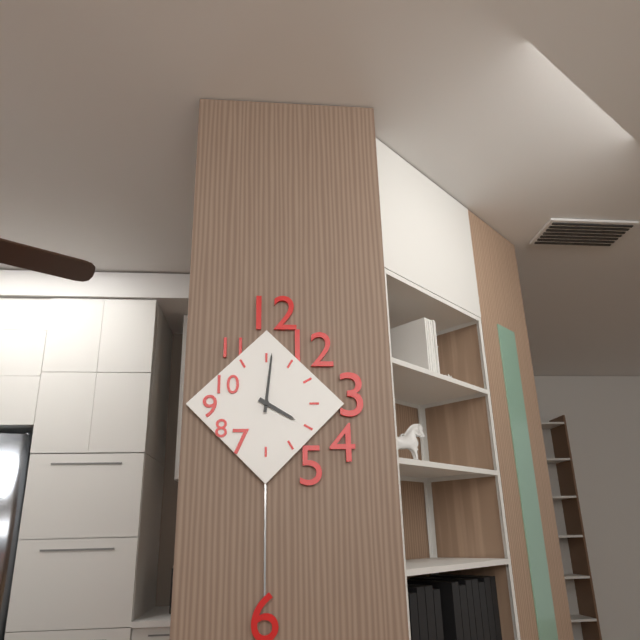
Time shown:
{"hour": 4, "minute": 1}
